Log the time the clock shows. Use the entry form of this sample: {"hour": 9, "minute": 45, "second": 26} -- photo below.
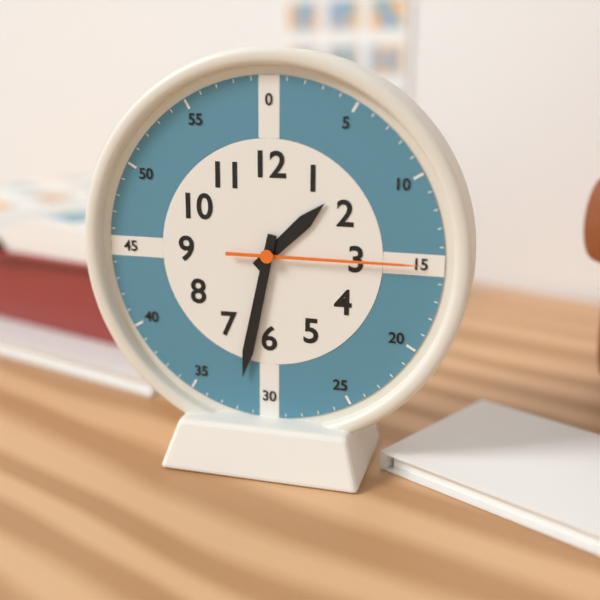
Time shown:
{"hour": 1, "minute": 32, "second": 15}
